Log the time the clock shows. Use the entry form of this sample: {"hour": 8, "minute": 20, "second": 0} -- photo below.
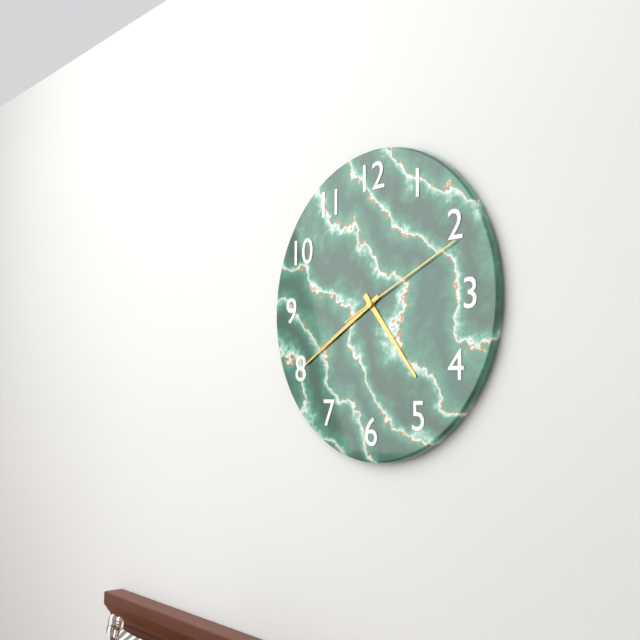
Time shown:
{"hour": 4, "minute": 40, "second": 11}
